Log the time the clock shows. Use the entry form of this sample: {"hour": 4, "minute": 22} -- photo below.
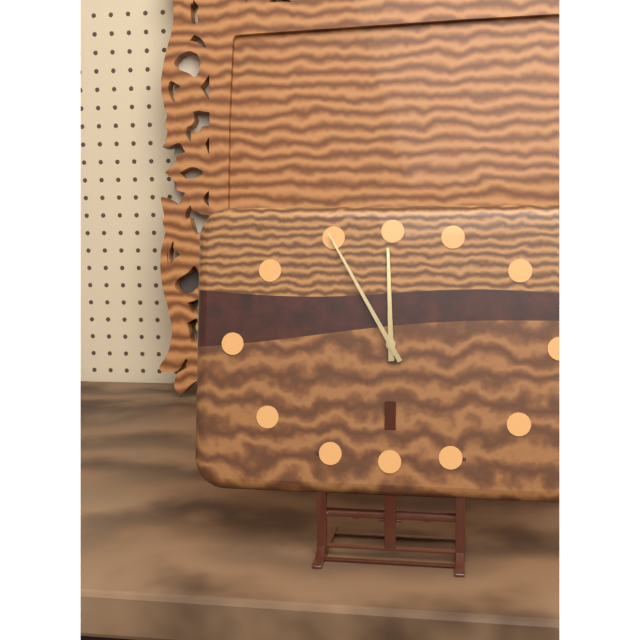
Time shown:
{"hour": 11, "minute": 55}
